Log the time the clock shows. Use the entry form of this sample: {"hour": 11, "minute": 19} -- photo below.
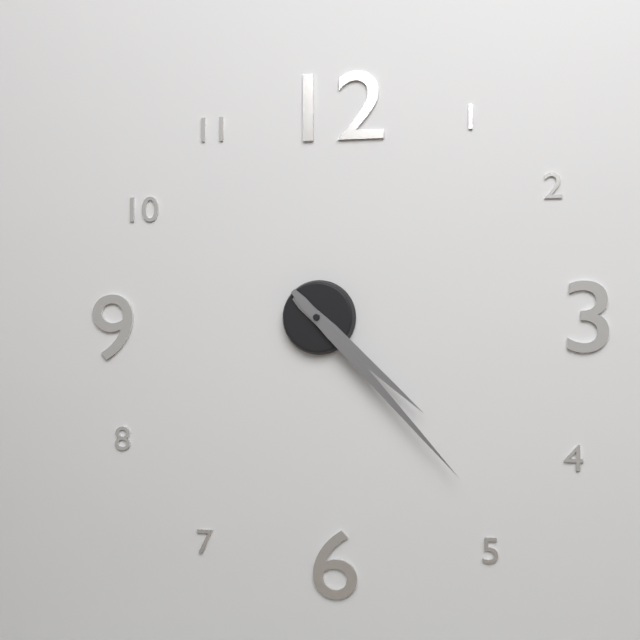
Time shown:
{"hour": 4, "minute": 23}
